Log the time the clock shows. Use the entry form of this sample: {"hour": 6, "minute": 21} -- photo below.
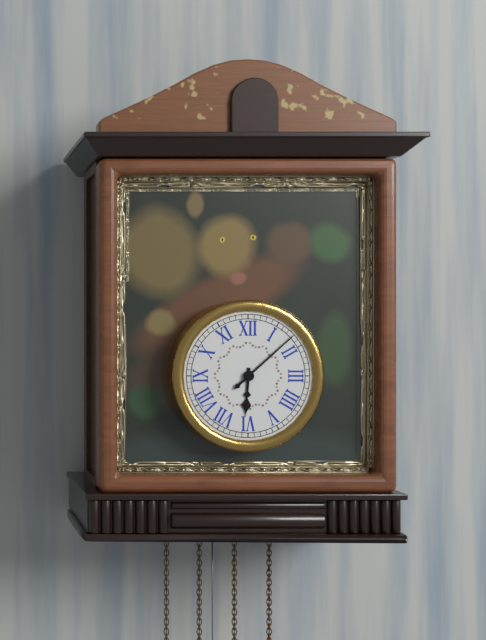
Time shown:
{"hour": 6, "minute": 8}
